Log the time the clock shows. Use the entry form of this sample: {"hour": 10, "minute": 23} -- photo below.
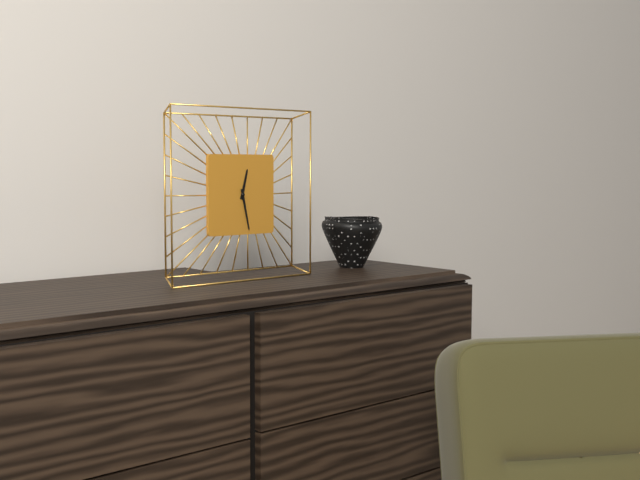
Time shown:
{"hour": 12, "minute": 28}
